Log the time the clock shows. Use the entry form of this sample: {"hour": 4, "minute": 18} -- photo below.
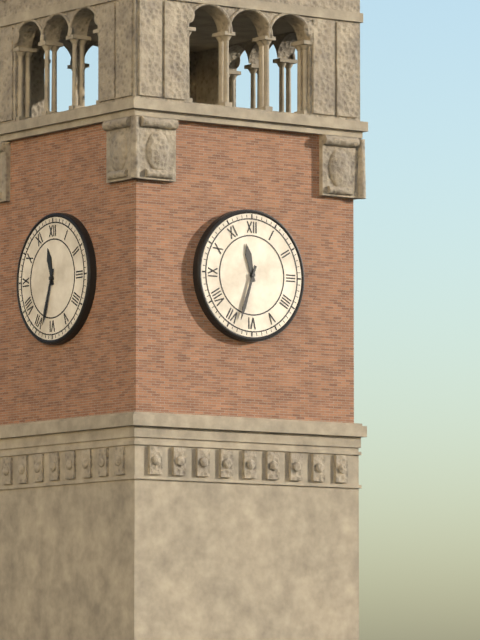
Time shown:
{"hour": 11, "minute": 33}
